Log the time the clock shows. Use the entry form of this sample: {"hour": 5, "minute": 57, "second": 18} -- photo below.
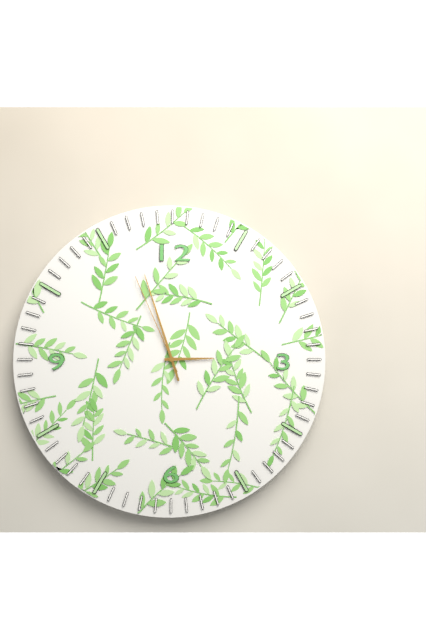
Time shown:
{"hour": 2, "minute": 57, "second": 56}
